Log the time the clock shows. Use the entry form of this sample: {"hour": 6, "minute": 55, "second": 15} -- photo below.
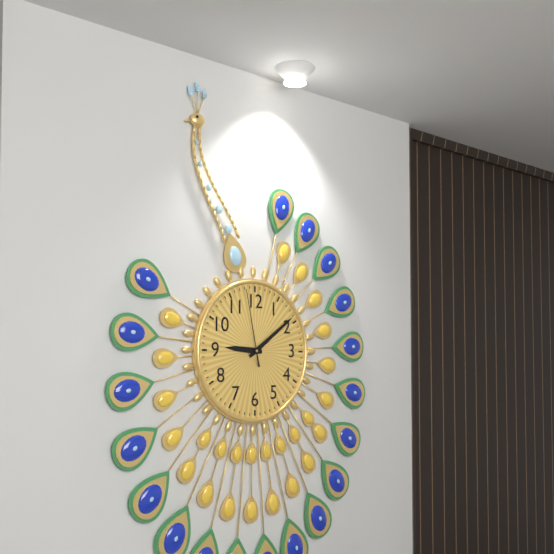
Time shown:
{"hour": 9, "minute": 9, "second": 58}
